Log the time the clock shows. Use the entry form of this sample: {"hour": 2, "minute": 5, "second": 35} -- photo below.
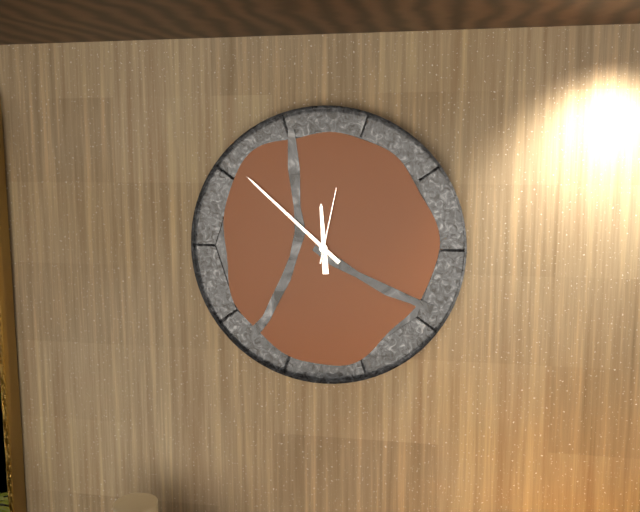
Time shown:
{"hour": 11, "minute": 52, "second": 2}
